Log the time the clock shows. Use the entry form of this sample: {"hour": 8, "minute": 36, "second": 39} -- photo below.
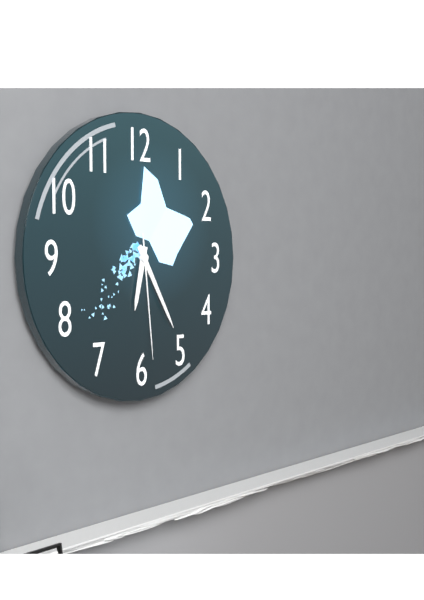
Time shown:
{"hour": 6, "minute": 25, "second": 29}
